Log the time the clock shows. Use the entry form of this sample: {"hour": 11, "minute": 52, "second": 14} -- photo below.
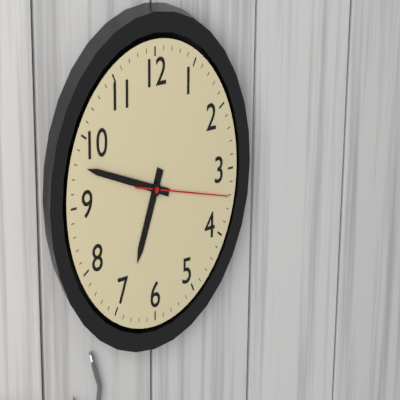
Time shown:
{"hour": 6, "minute": 48, "second": 17}
